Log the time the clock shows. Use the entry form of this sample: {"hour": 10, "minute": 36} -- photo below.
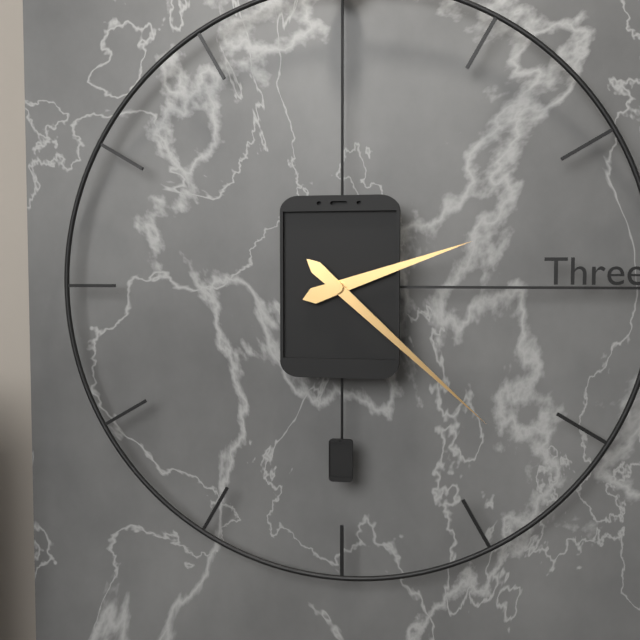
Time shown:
{"hour": 2, "minute": 22}
